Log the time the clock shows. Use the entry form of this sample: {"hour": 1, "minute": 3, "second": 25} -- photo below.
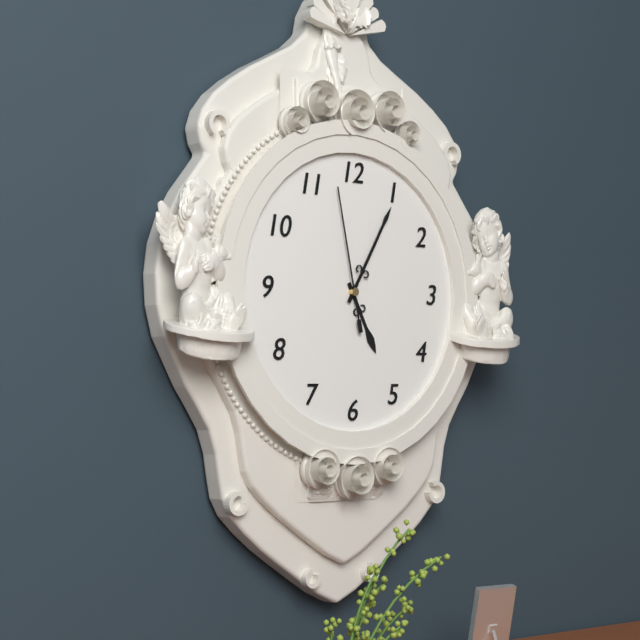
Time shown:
{"hour": 5, "minute": 5, "second": 58}
